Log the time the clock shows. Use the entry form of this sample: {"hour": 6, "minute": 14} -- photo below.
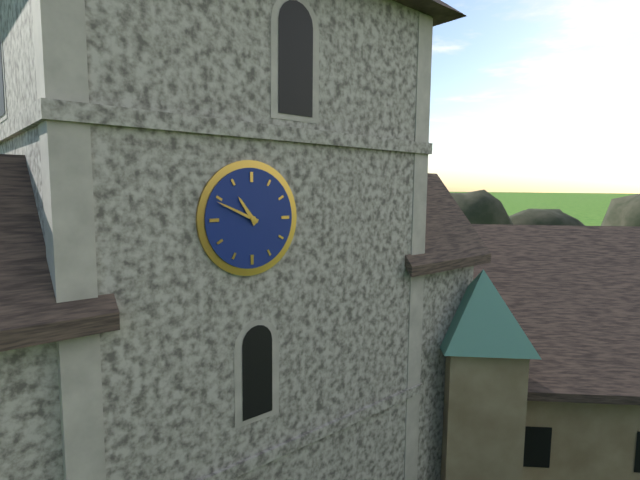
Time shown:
{"hour": 10, "minute": 49}
